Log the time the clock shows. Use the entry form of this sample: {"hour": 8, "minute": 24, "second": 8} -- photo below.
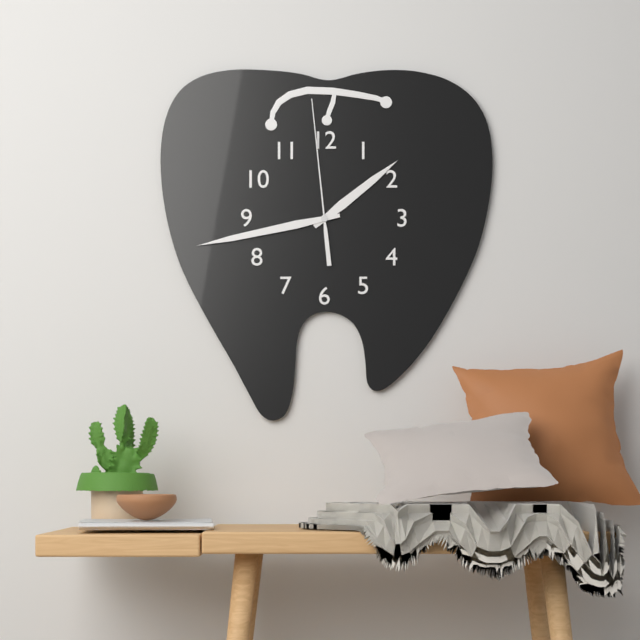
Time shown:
{"hour": 1, "minute": 43, "second": 59}
